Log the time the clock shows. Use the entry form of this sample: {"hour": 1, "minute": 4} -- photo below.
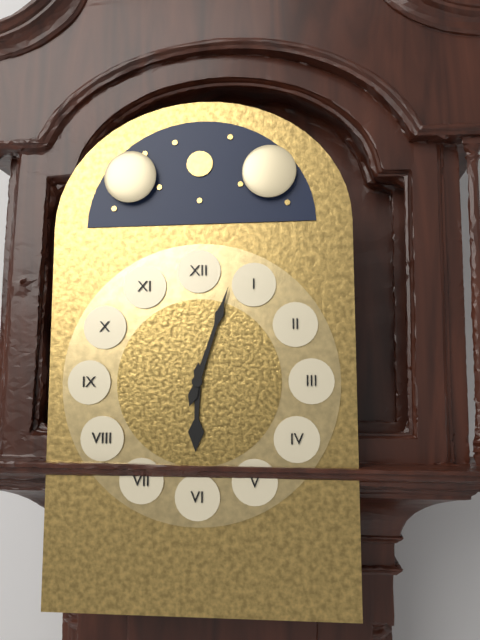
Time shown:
{"hour": 6, "minute": 3}
